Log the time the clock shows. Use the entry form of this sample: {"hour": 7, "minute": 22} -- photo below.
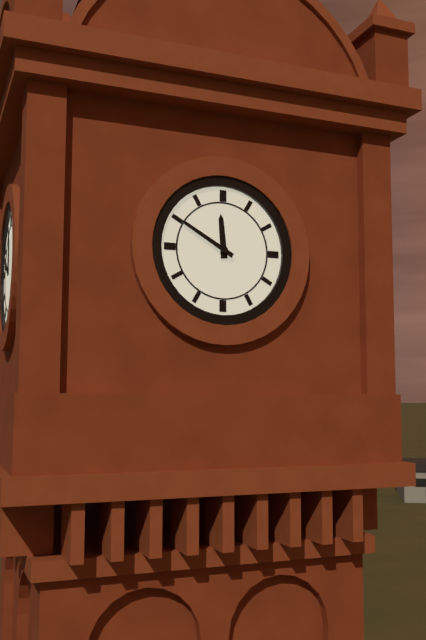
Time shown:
{"hour": 11, "minute": 50}
